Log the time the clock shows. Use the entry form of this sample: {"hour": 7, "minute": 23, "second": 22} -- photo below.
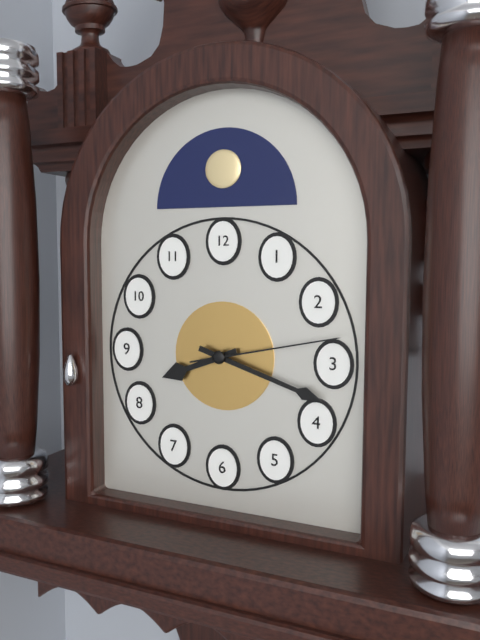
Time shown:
{"hour": 8, "minute": 18, "second": 13}
